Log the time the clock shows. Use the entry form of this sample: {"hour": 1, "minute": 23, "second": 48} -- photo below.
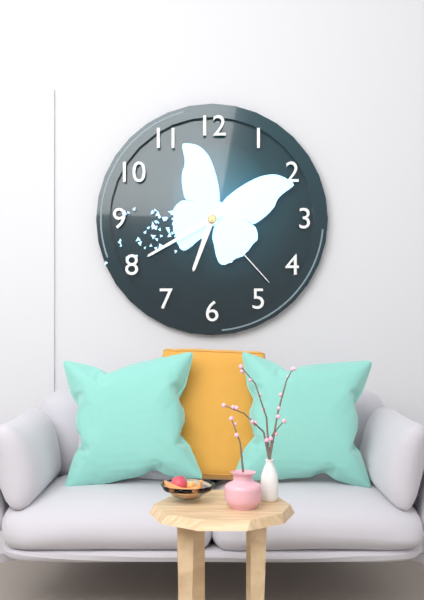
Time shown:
{"hour": 6, "minute": 40, "second": 23}
